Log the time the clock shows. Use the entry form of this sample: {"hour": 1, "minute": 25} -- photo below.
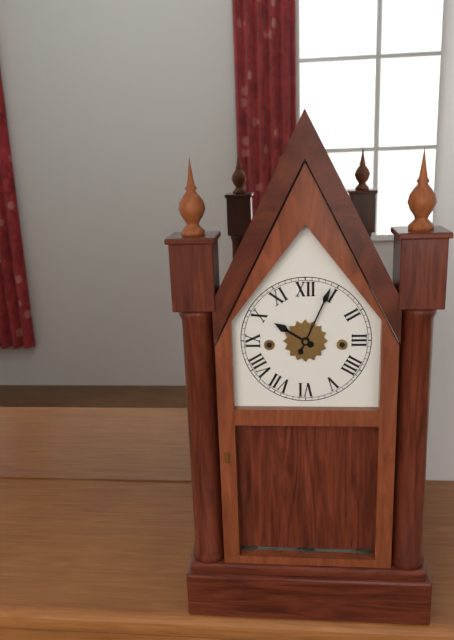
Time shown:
{"hour": 10, "minute": 4}
